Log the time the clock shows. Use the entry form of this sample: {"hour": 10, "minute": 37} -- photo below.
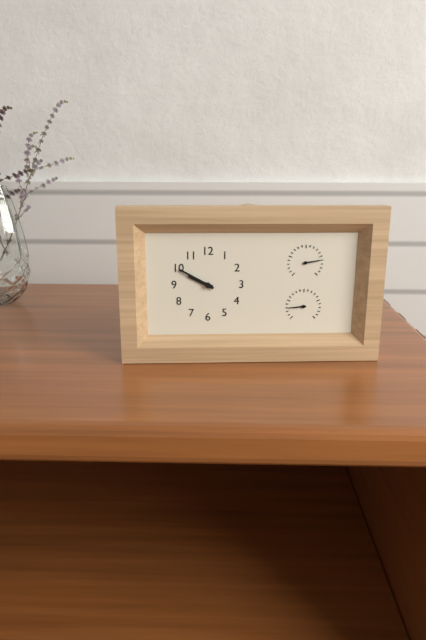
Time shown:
{"hour": 9, "minute": 50}
